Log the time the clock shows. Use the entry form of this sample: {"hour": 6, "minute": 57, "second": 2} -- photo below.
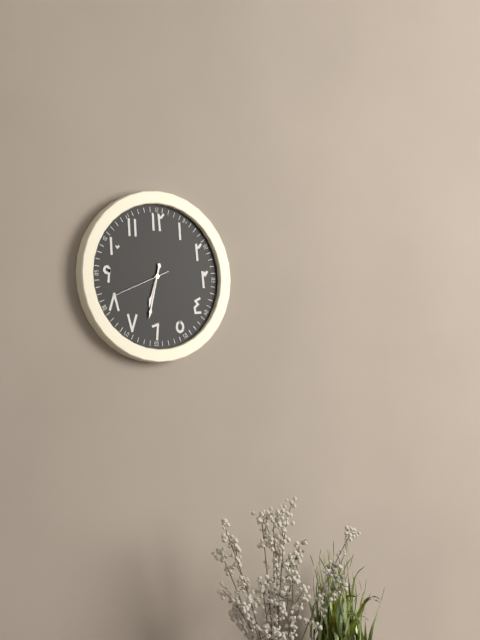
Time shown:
{"hour": 6, "minute": 32, "second": 41}
